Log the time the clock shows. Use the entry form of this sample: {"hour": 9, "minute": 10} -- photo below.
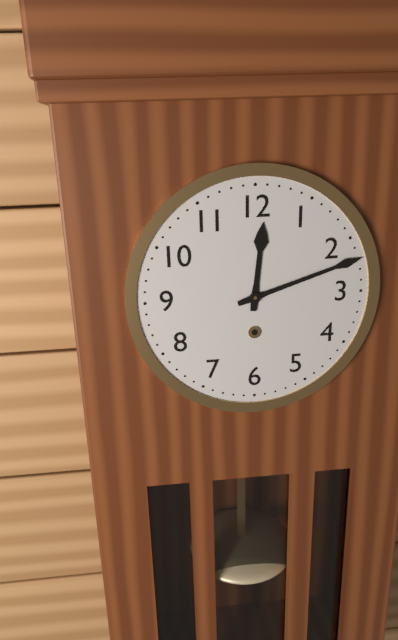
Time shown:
{"hour": 12, "minute": 12}
